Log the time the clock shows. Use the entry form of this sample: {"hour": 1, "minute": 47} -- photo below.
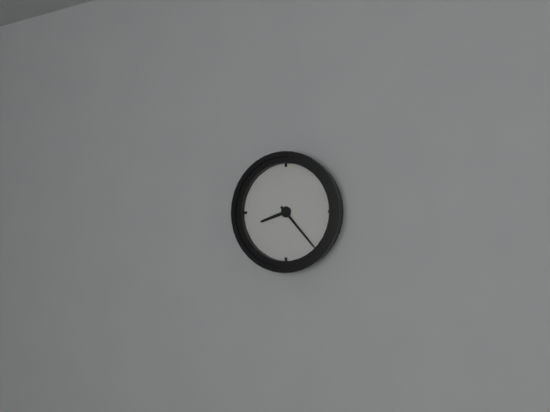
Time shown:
{"hour": 8, "minute": 23}
